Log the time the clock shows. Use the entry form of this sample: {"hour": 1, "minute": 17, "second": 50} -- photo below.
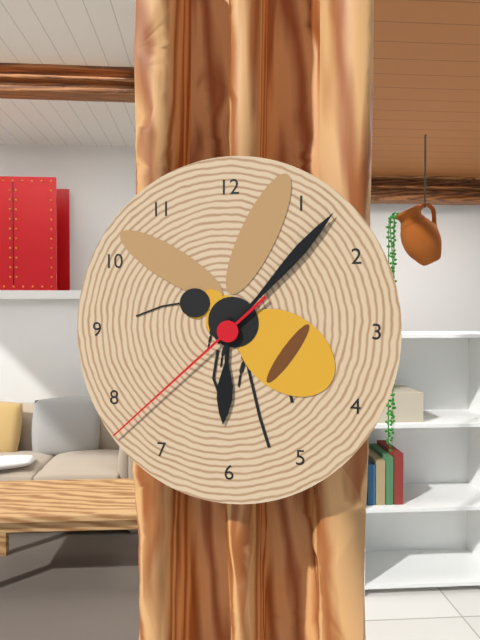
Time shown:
{"hour": 6, "minute": 7, "second": 38}
